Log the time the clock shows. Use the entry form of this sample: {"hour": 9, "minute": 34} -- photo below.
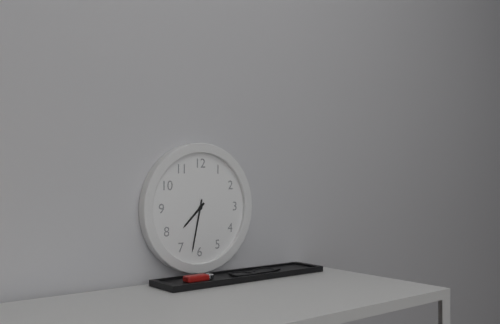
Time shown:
{"hour": 7, "minute": 32}
